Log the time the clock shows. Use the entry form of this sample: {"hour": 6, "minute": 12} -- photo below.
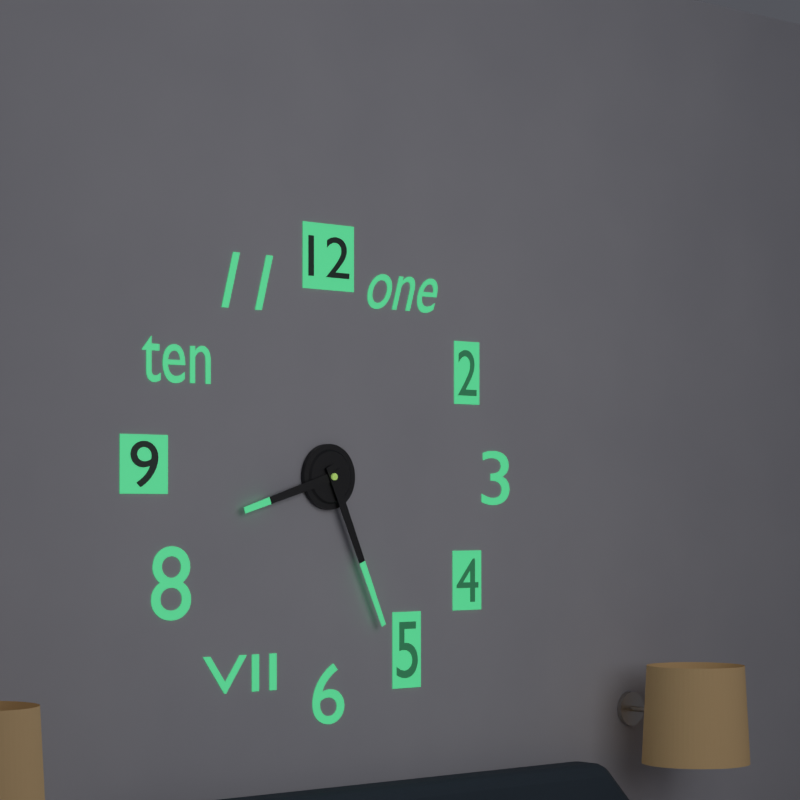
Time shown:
{"hour": 8, "minute": 26}
